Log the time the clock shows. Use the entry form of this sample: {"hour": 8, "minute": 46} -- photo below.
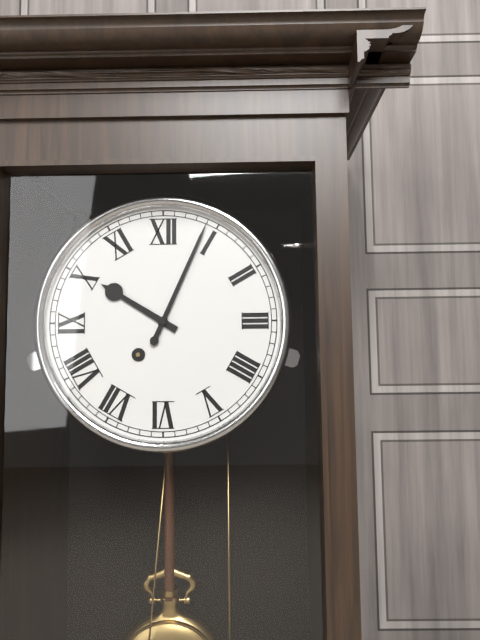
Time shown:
{"hour": 10, "minute": 4}
